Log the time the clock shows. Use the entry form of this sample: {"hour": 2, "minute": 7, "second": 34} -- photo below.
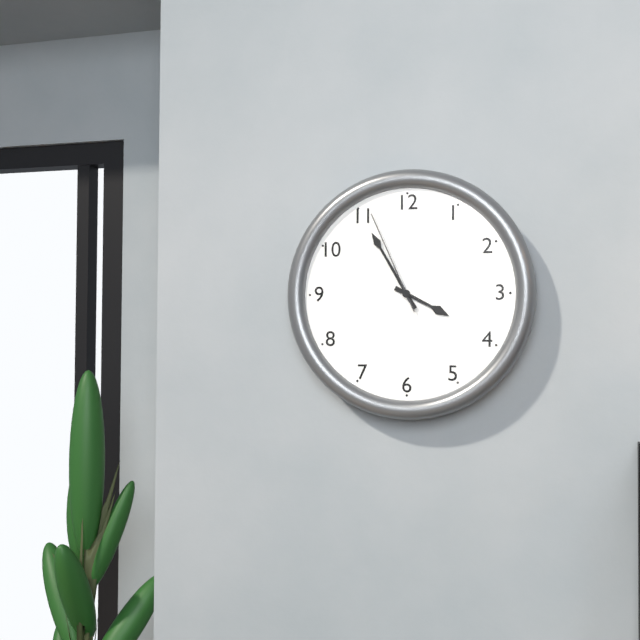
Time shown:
{"hour": 3, "minute": 55, "second": 56}
